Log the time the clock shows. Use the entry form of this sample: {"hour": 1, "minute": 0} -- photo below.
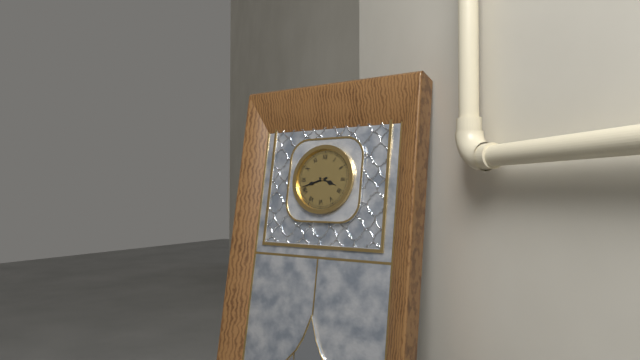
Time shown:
{"hour": 3, "minute": 42}
